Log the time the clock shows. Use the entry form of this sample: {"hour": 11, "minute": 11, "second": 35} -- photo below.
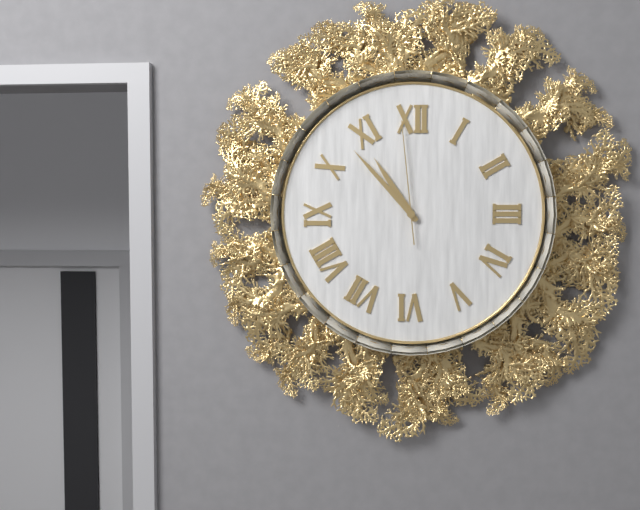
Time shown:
{"hour": 10, "minute": 53, "second": 59}
